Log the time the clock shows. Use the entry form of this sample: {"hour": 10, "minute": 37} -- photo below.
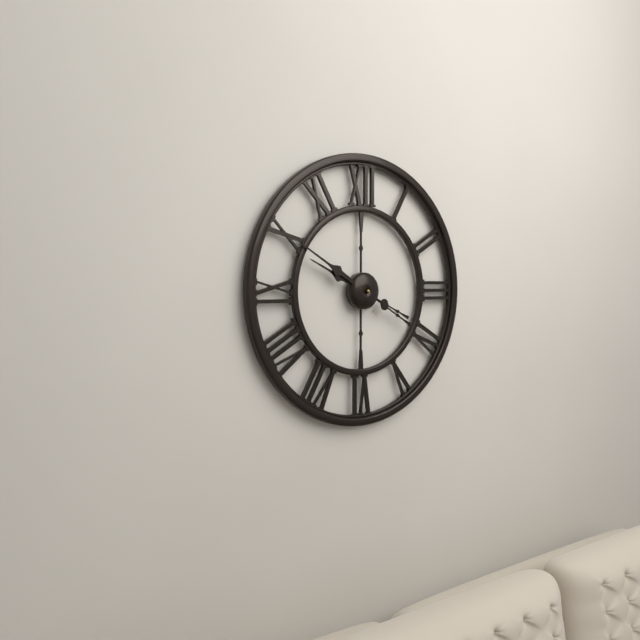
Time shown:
{"hour": 9, "minute": 50}
